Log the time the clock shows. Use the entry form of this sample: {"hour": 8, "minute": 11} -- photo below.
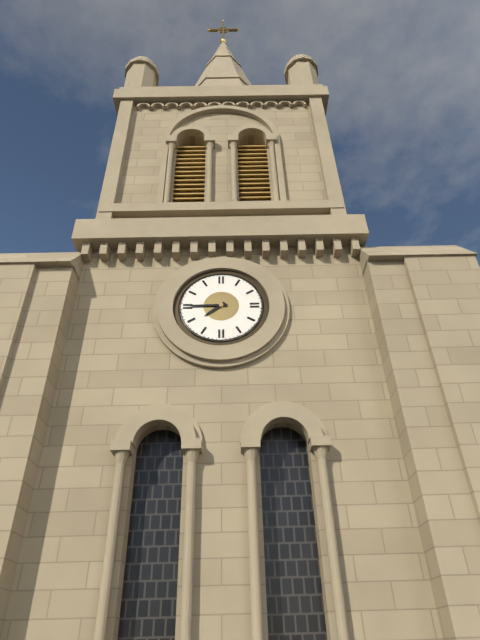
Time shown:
{"hour": 7, "minute": 45}
